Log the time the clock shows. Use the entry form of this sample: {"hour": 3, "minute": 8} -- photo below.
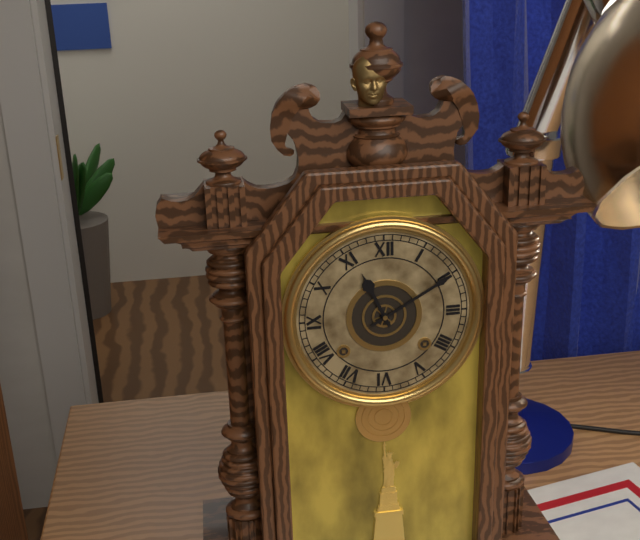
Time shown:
{"hour": 11, "minute": 10}
